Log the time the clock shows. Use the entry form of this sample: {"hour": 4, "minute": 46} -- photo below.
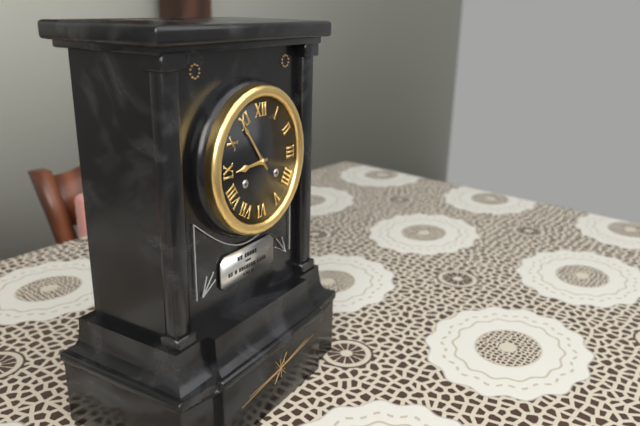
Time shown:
{"hour": 8, "minute": 54}
